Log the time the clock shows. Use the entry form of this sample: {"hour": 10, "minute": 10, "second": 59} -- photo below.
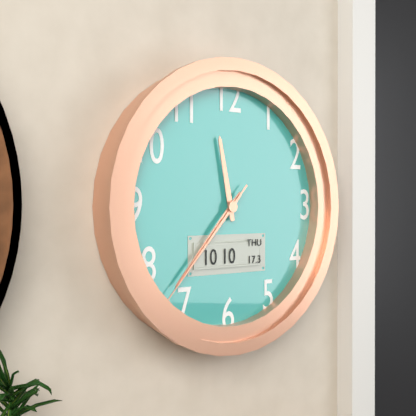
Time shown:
{"hour": 11, "minute": 37, "second": 37}
